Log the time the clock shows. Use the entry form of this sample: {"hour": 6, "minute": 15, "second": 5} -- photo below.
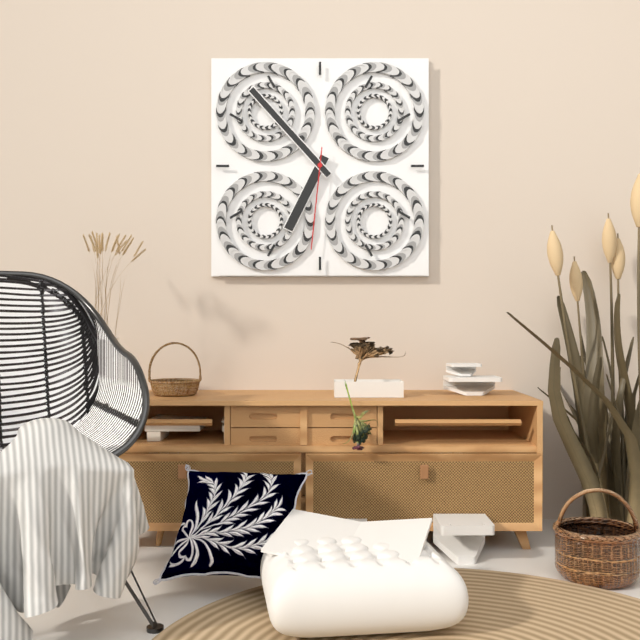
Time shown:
{"hour": 6, "minute": 53, "second": 31}
